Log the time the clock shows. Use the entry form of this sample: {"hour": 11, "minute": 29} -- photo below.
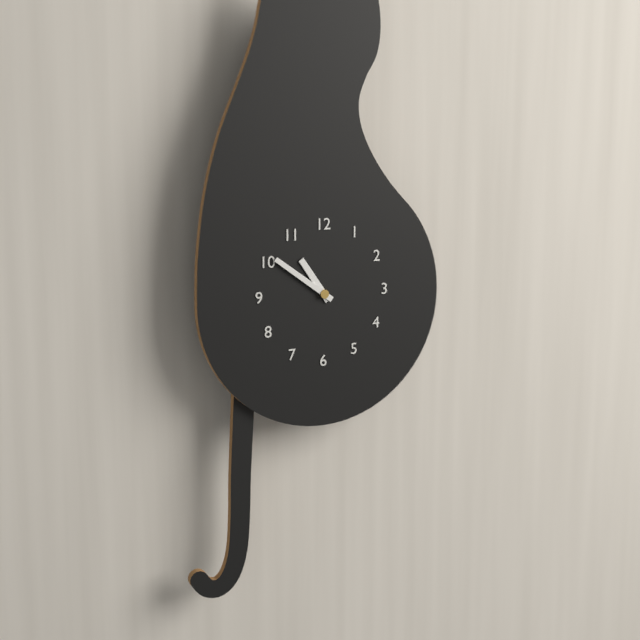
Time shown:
{"hour": 10, "minute": 51}
